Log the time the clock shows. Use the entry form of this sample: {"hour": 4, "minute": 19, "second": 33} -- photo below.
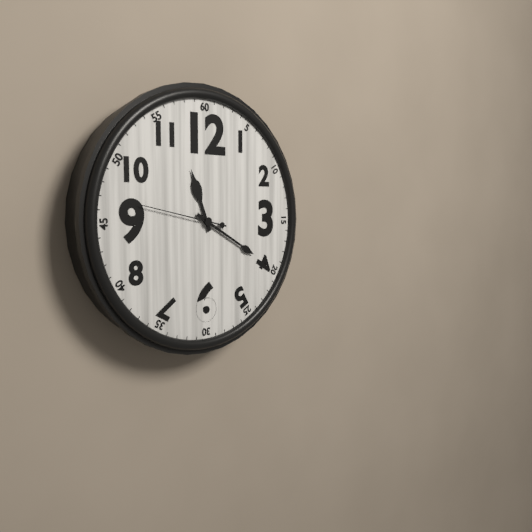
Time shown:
{"hour": 11, "minute": 20, "second": 47}
